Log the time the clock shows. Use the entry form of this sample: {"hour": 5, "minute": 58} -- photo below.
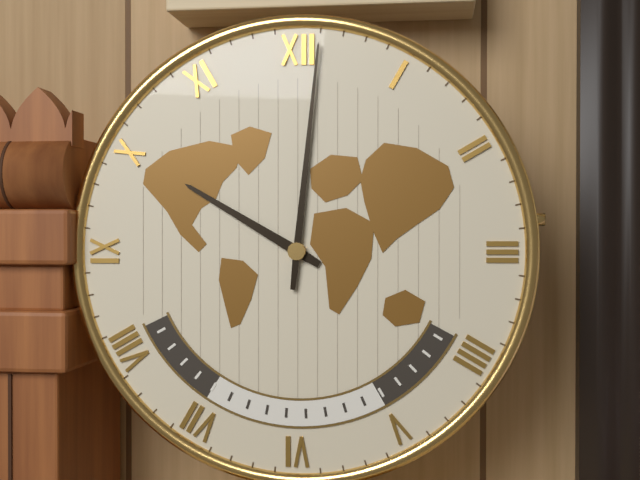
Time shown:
{"hour": 10, "minute": 1}
